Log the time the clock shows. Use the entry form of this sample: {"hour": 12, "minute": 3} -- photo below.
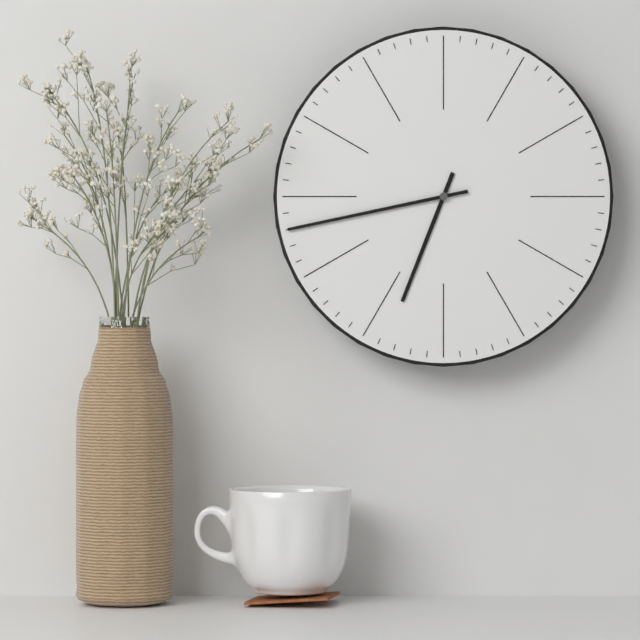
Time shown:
{"hour": 6, "minute": 43}
